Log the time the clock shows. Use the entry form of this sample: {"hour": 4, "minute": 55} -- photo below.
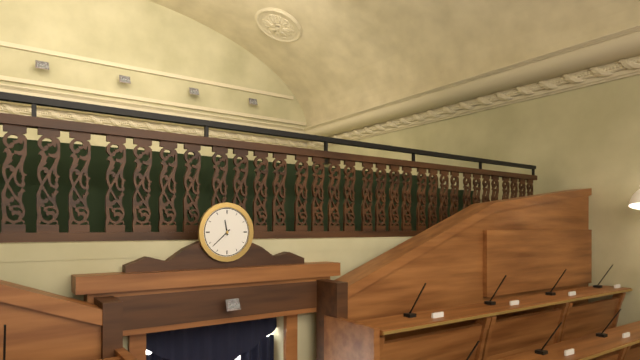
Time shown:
{"hour": 11, "minute": 38}
